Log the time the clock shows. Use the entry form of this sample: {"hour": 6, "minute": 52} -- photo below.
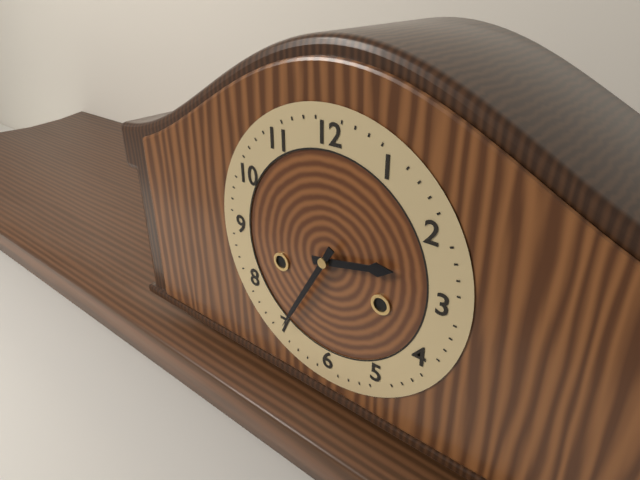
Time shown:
{"hour": 2, "minute": 35}
